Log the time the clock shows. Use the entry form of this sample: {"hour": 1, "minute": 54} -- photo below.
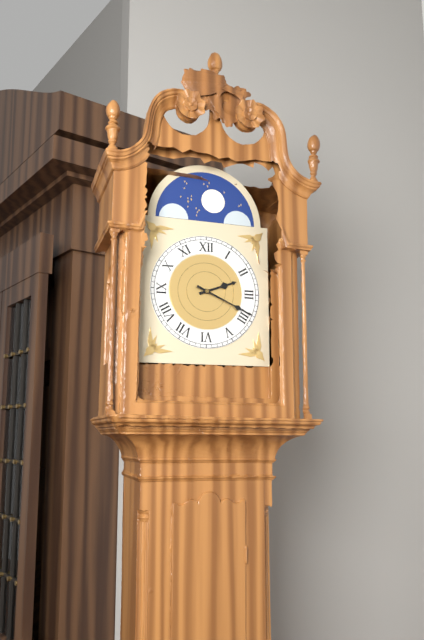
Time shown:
{"hour": 2, "minute": 19}
